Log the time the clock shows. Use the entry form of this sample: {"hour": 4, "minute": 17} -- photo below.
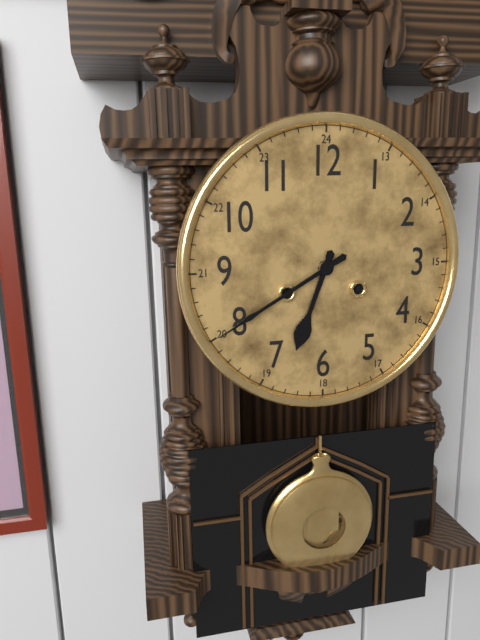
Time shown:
{"hour": 6, "minute": 40}
